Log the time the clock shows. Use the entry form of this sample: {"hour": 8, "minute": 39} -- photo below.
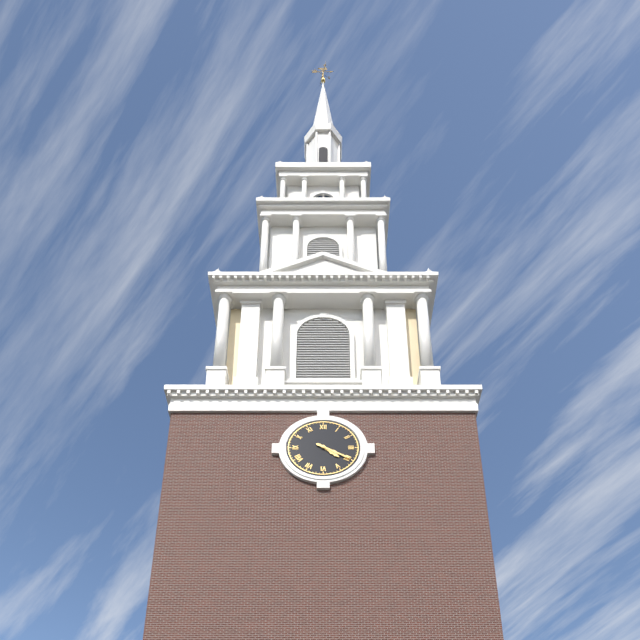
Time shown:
{"hour": 4, "minute": 20}
